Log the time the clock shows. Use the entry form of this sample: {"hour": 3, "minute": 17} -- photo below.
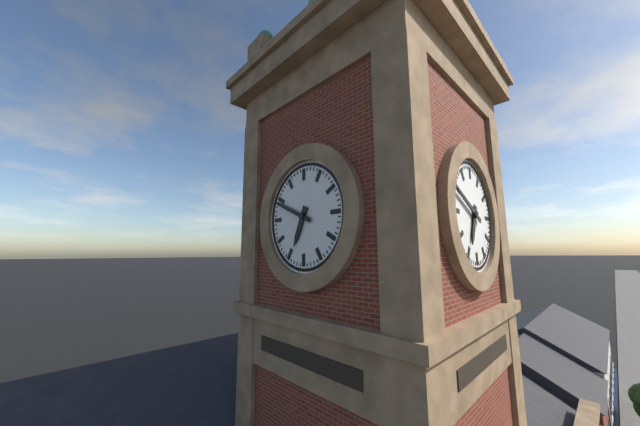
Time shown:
{"hour": 6, "minute": 49}
